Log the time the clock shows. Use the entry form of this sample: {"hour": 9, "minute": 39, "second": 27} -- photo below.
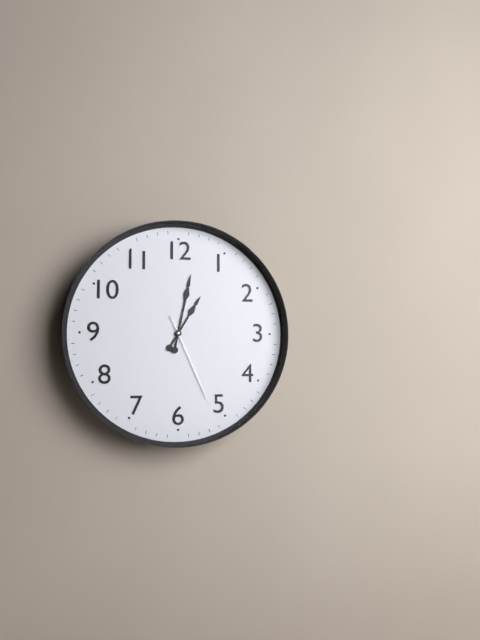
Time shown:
{"hour": 1, "minute": 2, "second": 26}
